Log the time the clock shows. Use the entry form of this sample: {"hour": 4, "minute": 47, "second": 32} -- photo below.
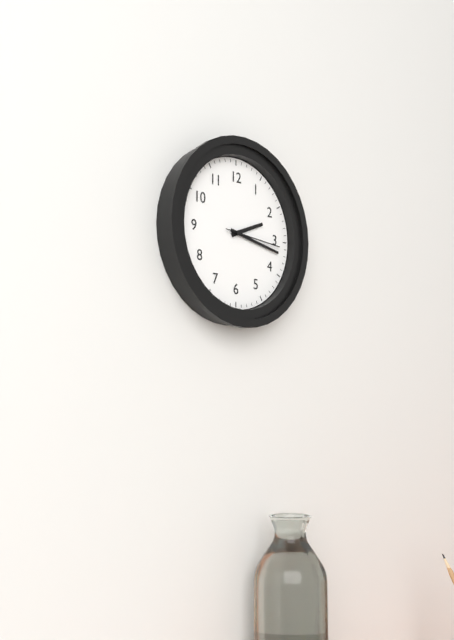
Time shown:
{"hour": 2, "minute": 17, "second": 16}
